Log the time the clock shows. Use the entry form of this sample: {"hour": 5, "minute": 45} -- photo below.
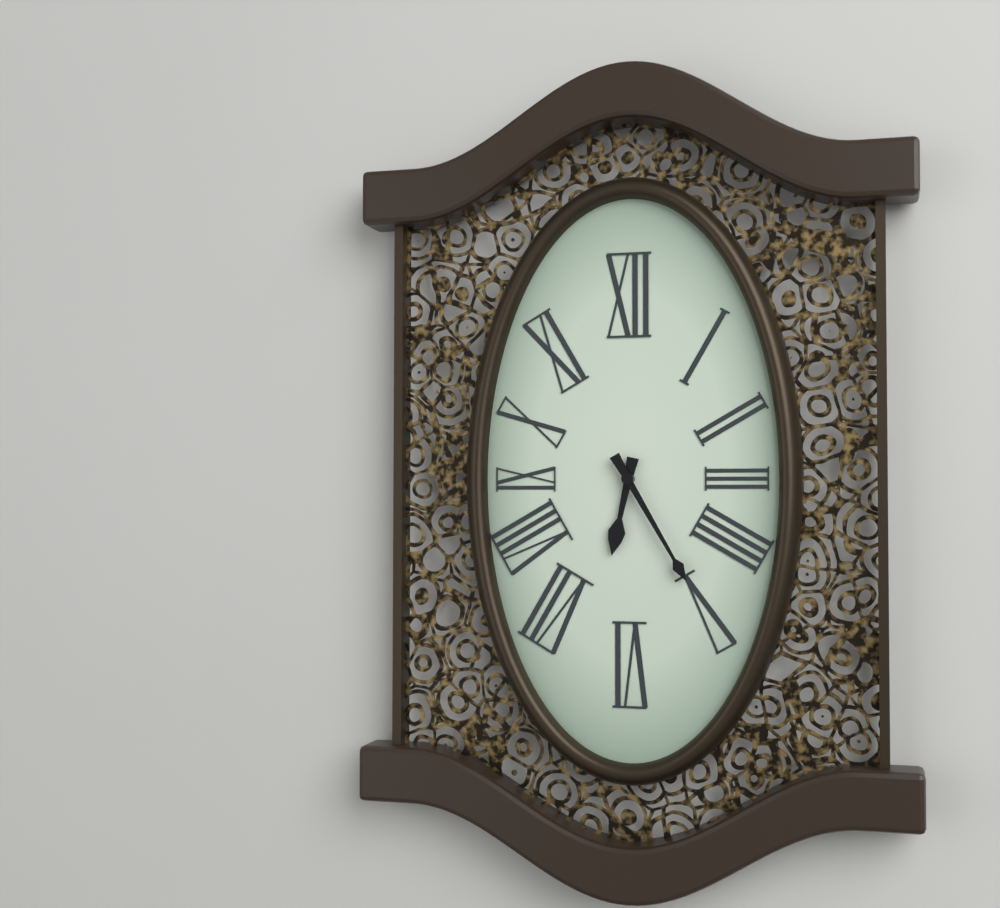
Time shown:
{"hour": 6, "minute": 25}
